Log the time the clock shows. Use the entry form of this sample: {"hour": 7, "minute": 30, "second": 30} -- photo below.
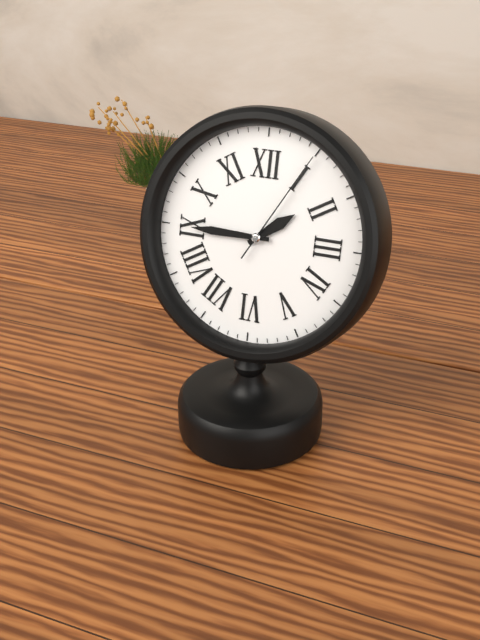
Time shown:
{"hour": 1, "minute": 45, "second": 5}
